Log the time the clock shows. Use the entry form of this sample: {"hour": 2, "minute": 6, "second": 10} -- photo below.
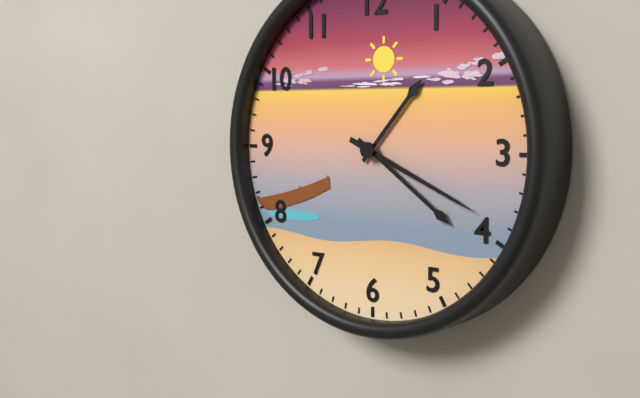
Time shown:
{"hour": 1, "minute": 21, "second": 19}
